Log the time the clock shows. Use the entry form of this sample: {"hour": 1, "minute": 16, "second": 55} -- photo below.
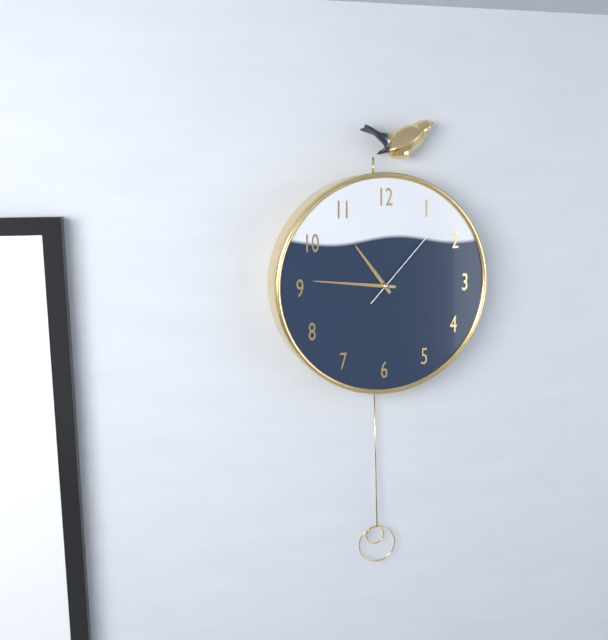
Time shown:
{"hour": 10, "minute": 46, "second": 7}
